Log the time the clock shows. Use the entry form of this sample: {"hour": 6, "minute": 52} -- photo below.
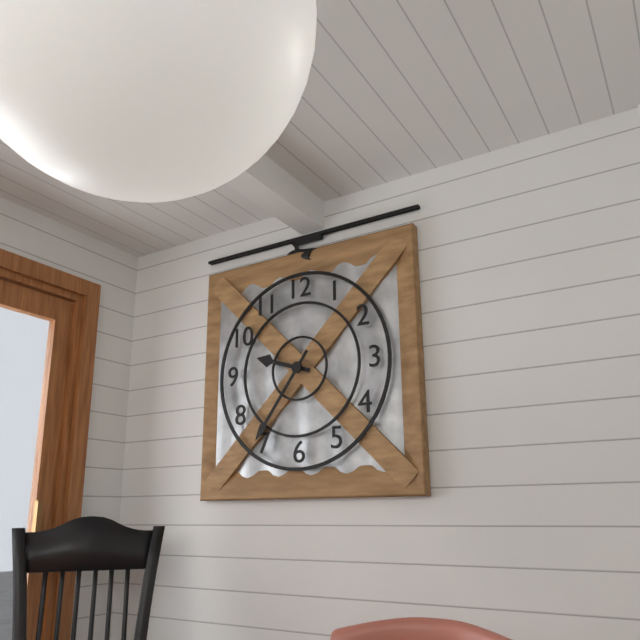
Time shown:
{"hour": 9, "minute": 36}
